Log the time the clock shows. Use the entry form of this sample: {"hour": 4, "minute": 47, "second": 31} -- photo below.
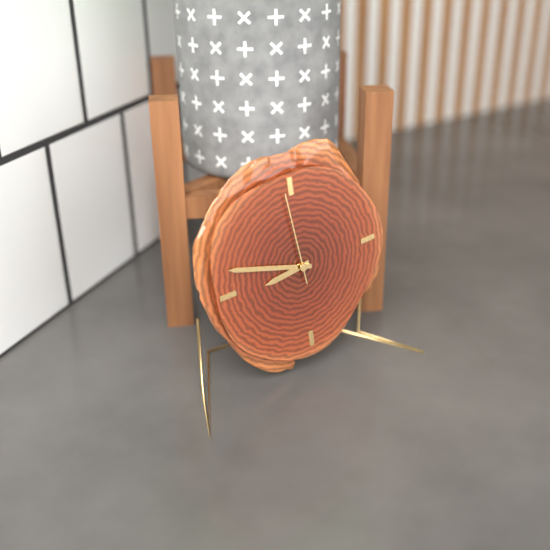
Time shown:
{"hour": 8, "minute": 48, "second": 59}
